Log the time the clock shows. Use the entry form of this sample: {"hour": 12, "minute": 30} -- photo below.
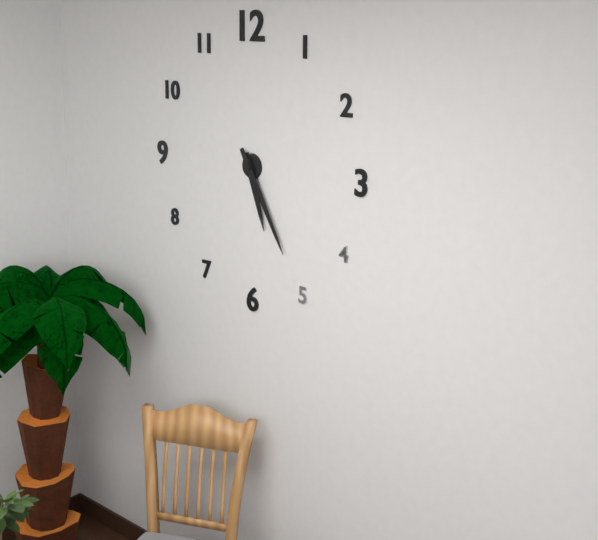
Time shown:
{"hour": 5, "minute": 25}
